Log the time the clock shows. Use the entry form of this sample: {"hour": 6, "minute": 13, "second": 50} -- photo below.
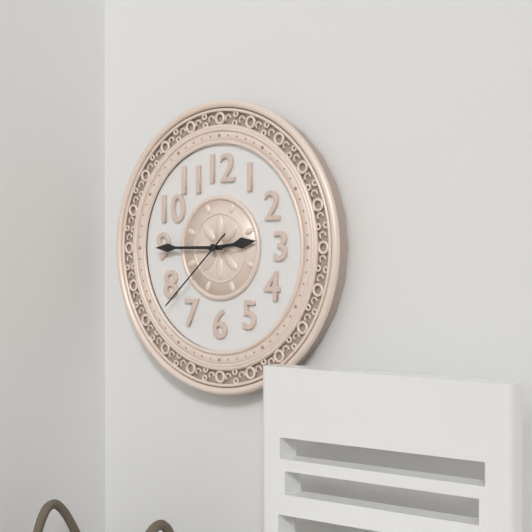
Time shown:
{"hour": 2, "minute": 45, "second": 38}
